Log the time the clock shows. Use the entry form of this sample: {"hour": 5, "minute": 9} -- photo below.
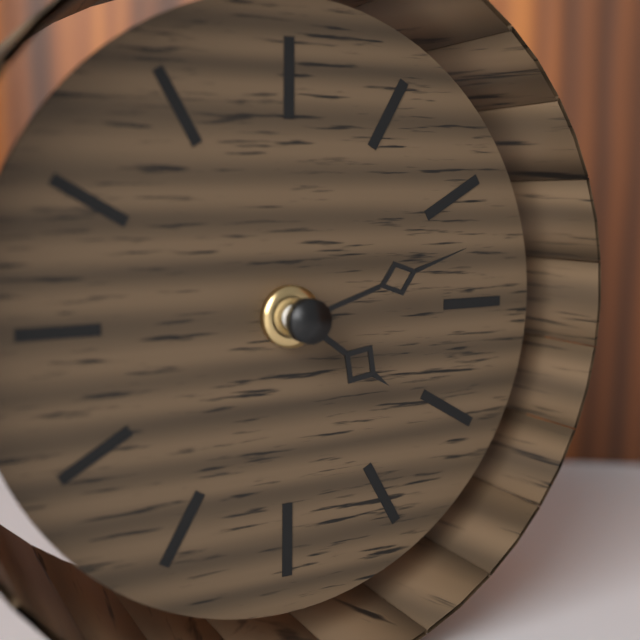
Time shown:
{"hour": 4, "minute": 12}
